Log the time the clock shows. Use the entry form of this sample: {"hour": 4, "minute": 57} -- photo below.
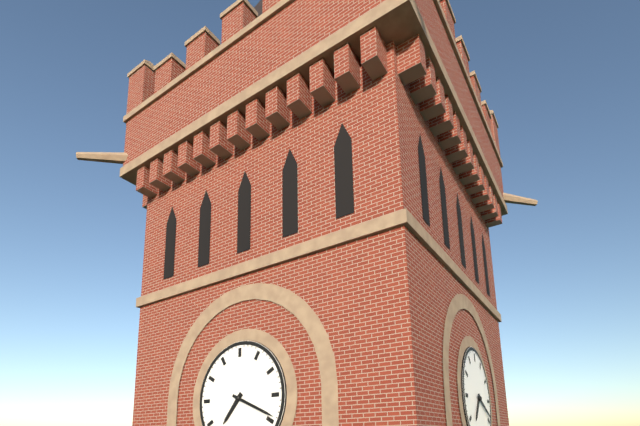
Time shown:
{"hour": 7, "minute": 19}
